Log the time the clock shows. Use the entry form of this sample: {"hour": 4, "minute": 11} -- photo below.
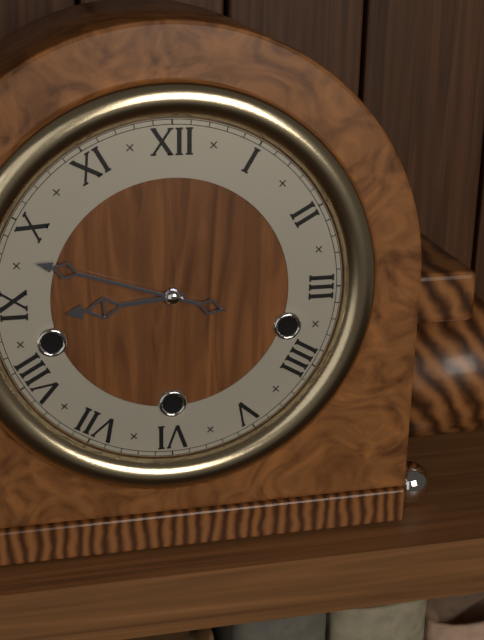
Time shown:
{"hour": 8, "minute": 48}
